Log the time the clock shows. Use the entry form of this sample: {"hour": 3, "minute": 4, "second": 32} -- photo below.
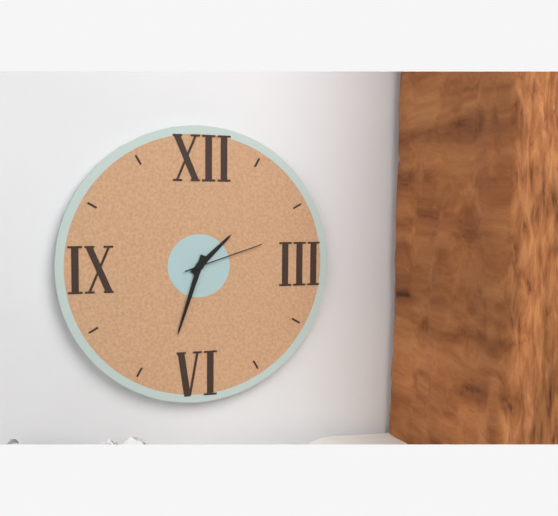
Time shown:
{"hour": 1, "minute": 33, "second": 12}
